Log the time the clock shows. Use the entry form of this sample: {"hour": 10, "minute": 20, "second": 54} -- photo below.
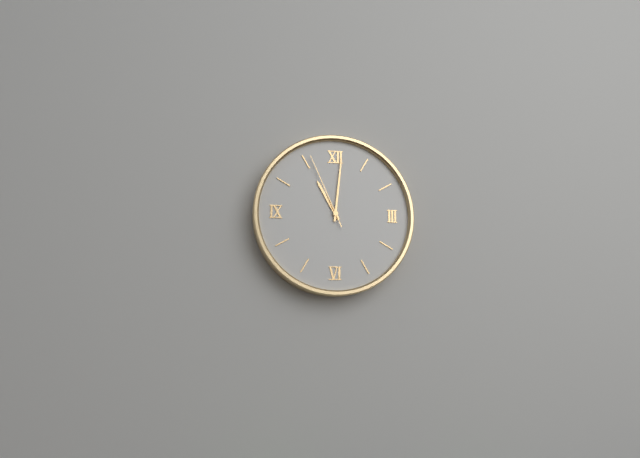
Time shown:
{"hour": 11, "minute": 1, "second": 56}
